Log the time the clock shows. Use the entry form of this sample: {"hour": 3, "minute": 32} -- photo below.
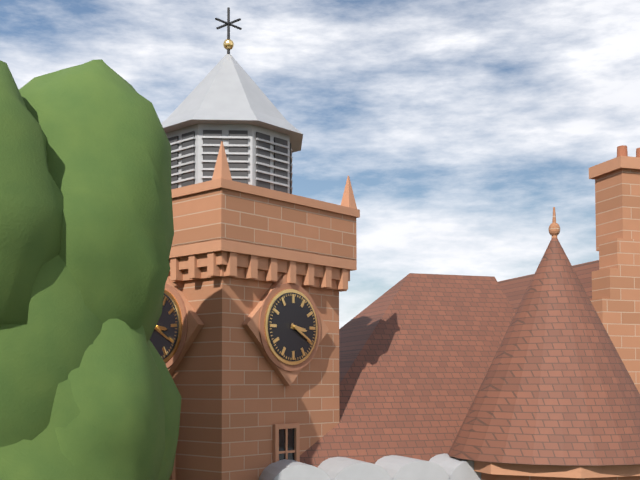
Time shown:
{"hour": 3, "minute": 20}
